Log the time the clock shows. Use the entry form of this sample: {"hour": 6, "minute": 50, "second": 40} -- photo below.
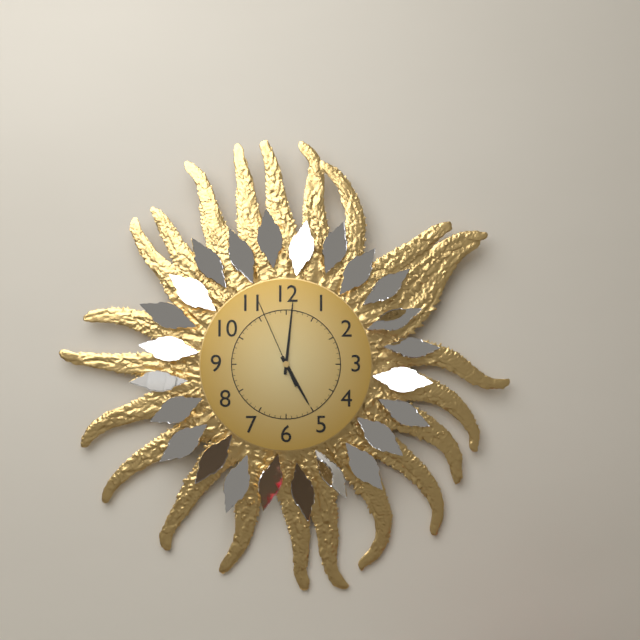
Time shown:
{"hour": 5, "minute": 1, "second": 56}
